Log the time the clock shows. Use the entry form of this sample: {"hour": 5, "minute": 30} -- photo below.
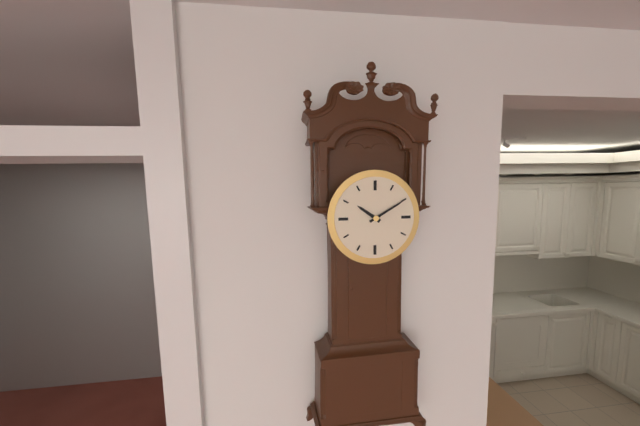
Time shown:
{"hour": 10, "minute": 10}
